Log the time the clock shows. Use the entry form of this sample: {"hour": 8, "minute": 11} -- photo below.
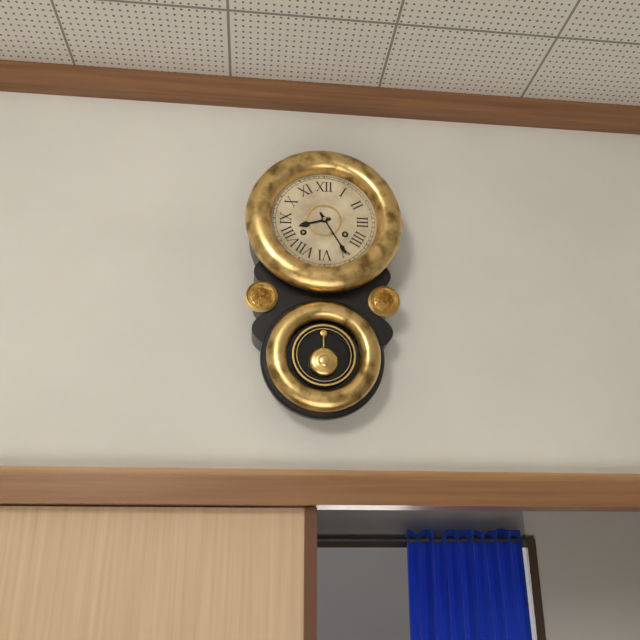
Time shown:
{"hour": 8, "minute": 25}
